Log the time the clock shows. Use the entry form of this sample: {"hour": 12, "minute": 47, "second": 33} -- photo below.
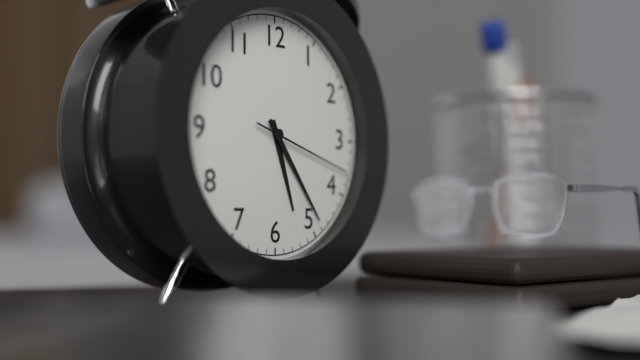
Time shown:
{"hour": 5, "minute": 24, "second": 18}
